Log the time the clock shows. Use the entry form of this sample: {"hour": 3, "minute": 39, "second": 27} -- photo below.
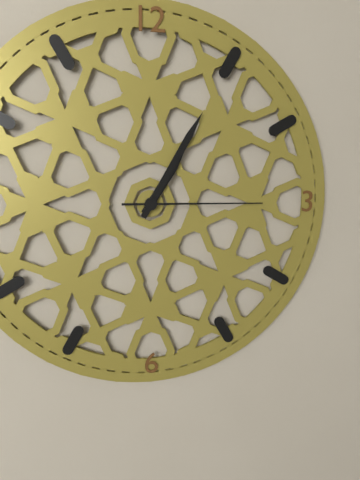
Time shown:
{"hour": 1, "minute": 5, "second": 15}
